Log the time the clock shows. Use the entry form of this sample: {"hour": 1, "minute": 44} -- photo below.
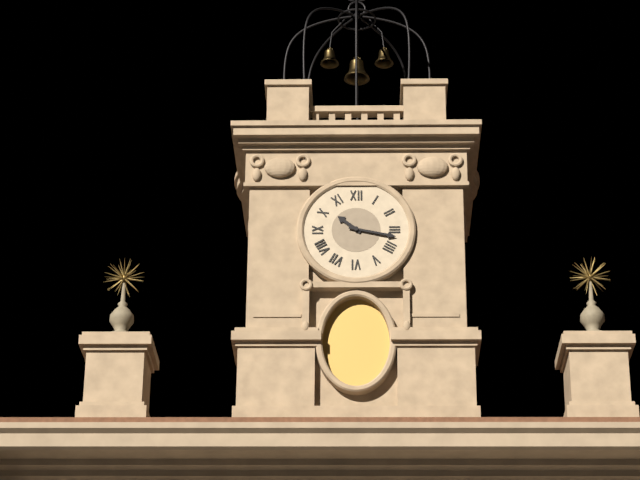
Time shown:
{"hour": 10, "minute": 17}
